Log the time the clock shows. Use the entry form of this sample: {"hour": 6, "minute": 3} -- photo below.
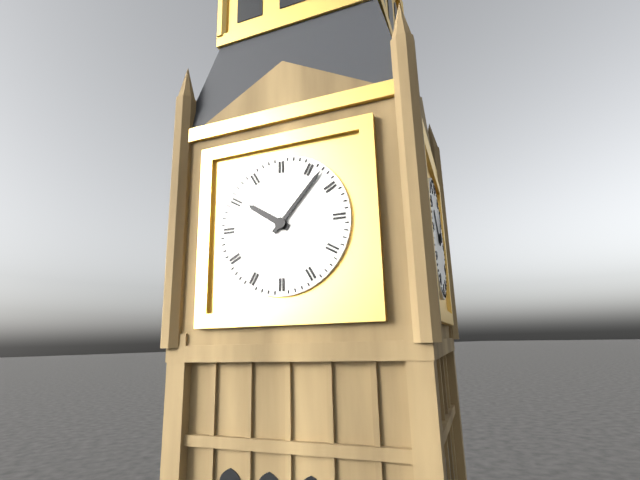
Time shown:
{"hour": 10, "minute": 7}
